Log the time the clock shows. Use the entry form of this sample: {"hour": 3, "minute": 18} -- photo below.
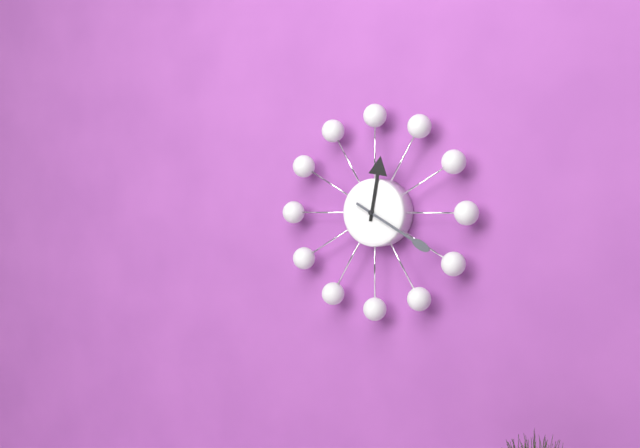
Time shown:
{"hour": 12, "minute": 20}
